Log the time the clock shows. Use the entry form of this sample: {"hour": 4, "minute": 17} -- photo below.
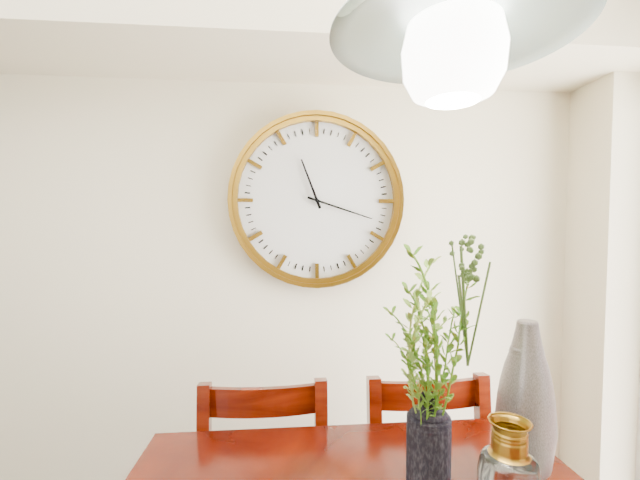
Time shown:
{"hour": 11, "minute": 18}
